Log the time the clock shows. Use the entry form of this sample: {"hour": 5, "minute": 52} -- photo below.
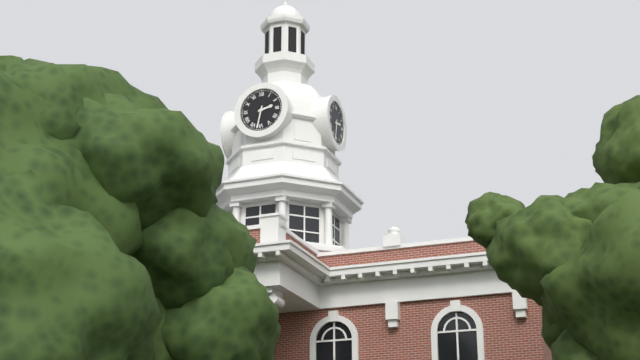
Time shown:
{"hour": 2, "minute": 32}
